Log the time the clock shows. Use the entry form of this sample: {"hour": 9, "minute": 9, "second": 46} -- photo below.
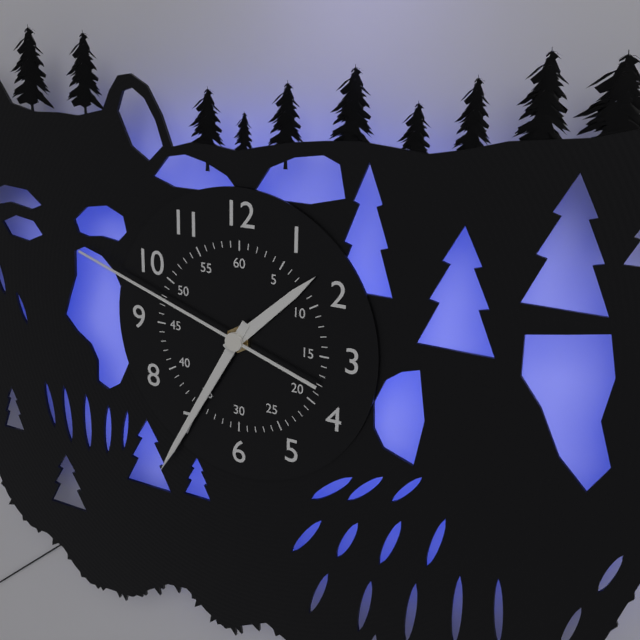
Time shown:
{"hour": 1, "minute": 35, "second": 48}
